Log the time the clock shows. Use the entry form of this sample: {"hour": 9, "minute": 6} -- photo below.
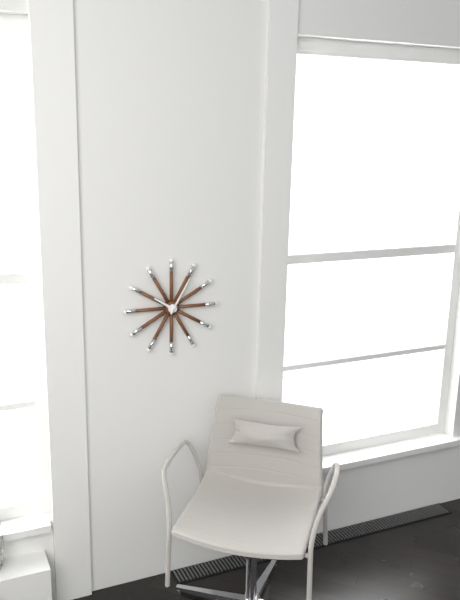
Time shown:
{"hour": 10, "minute": 5}
